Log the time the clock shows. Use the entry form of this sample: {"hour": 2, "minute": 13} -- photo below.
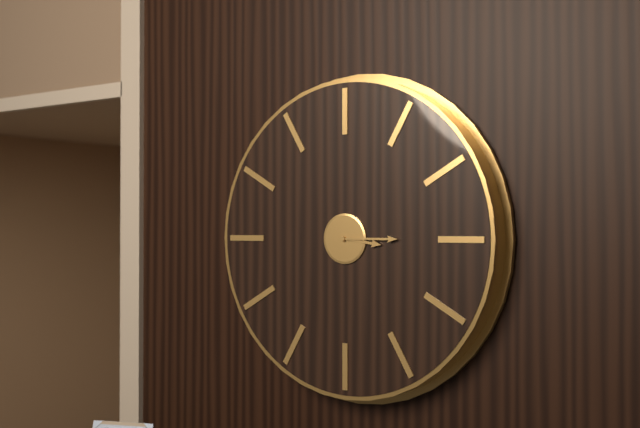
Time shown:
{"hour": 3, "minute": 15}
